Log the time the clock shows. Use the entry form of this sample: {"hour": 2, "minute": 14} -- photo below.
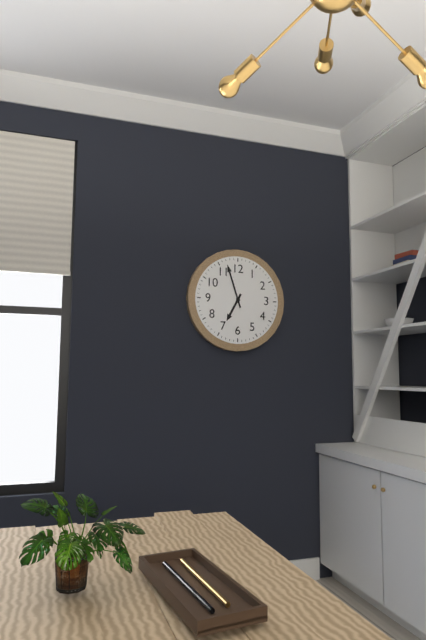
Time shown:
{"hour": 6, "minute": 57}
